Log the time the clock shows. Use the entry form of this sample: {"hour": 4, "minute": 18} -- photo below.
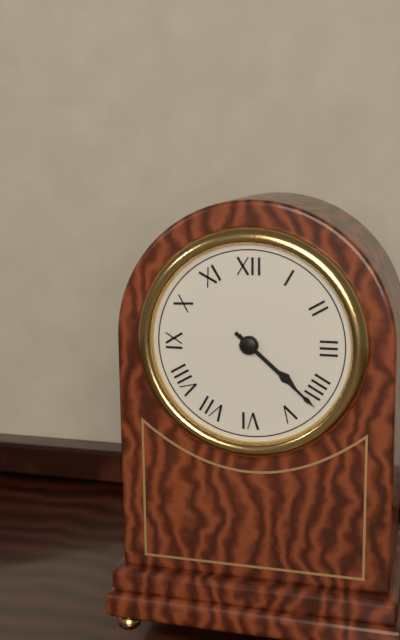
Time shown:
{"hour": 4, "minute": 22}
